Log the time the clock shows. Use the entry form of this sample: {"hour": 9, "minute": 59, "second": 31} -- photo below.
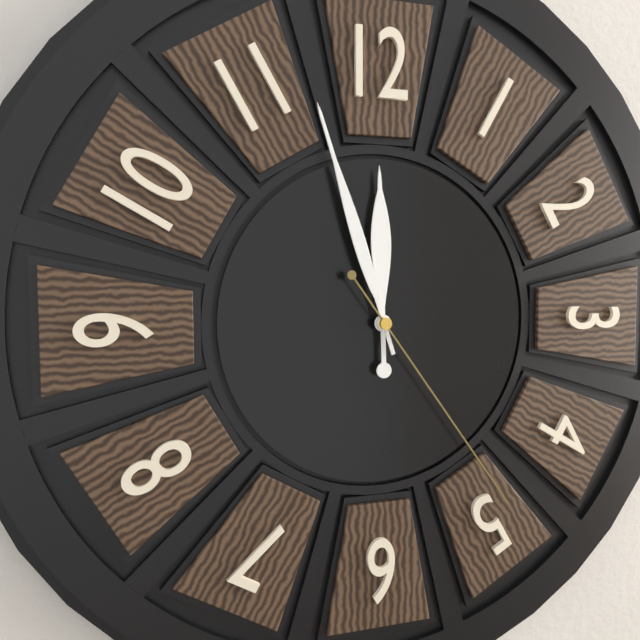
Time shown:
{"hour": 11, "minute": 57, "second": 24}
